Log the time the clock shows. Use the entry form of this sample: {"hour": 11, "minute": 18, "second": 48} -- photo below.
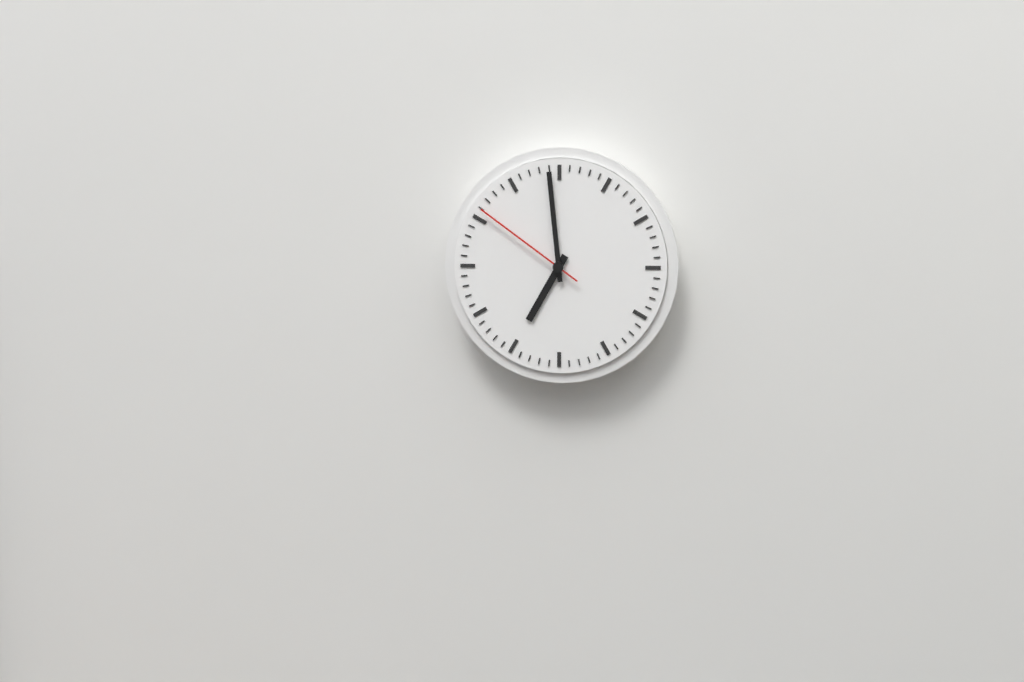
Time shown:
{"hour": 6, "minute": 59, "second": 51}
